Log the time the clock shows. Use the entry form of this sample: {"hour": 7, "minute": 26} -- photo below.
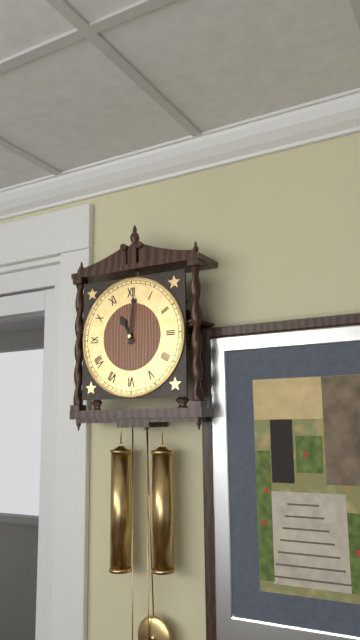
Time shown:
{"hour": 11, "minute": 1}
